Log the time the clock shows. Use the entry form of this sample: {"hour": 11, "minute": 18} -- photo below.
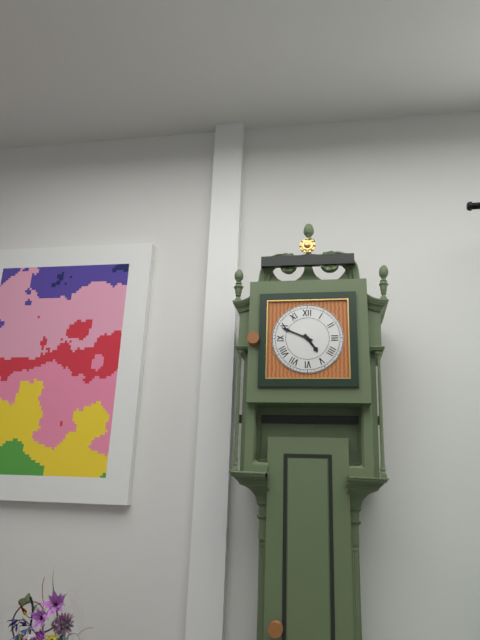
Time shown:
{"hour": 4, "minute": 49}
